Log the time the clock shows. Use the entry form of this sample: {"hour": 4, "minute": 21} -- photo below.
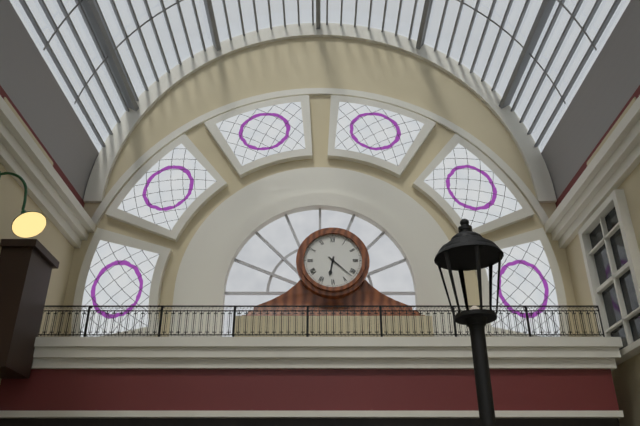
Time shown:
{"hour": 6, "minute": 22}
